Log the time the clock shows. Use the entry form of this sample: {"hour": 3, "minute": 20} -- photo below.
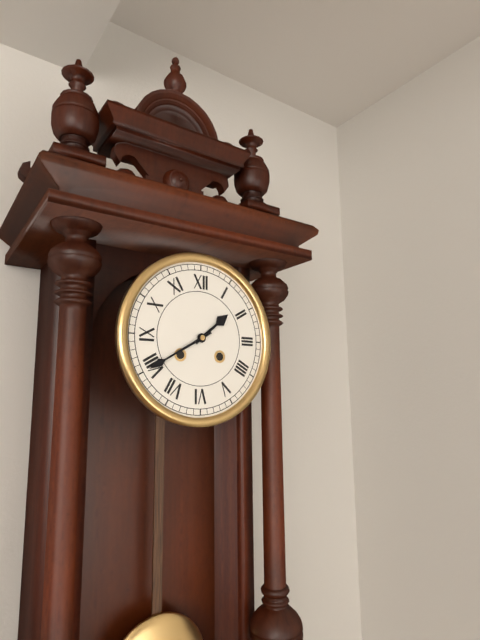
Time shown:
{"hour": 1, "minute": 40}
